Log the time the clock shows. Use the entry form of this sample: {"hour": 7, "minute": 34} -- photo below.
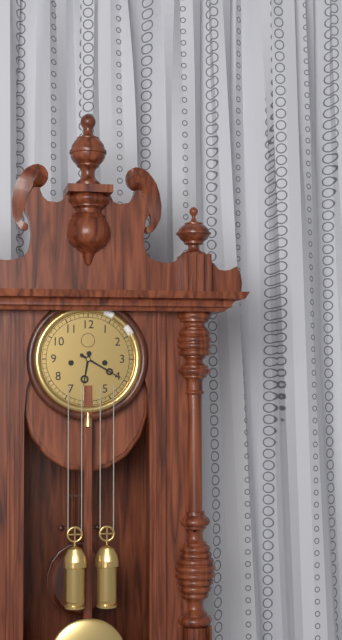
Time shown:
{"hour": 6, "minute": 20}
